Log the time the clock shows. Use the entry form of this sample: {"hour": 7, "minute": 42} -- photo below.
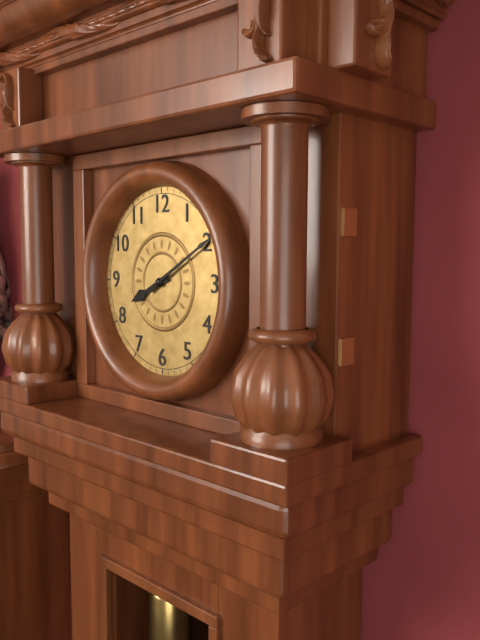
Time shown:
{"hour": 8, "minute": 10}
